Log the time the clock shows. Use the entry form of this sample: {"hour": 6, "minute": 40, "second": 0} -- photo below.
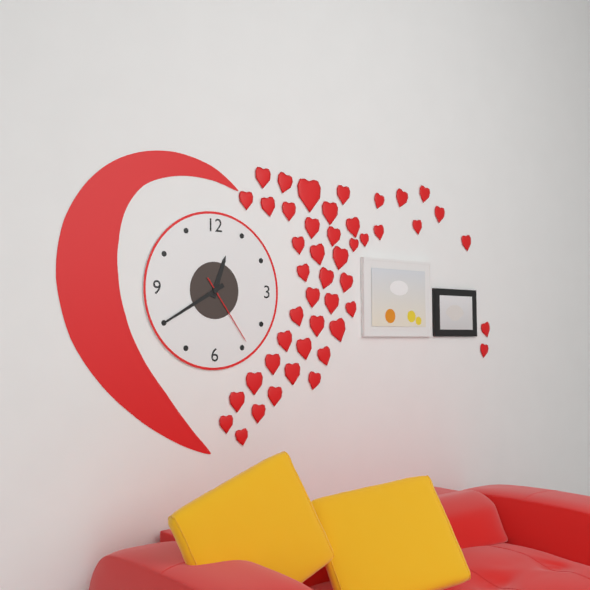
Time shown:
{"hour": 12, "minute": 40, "second": 24}
